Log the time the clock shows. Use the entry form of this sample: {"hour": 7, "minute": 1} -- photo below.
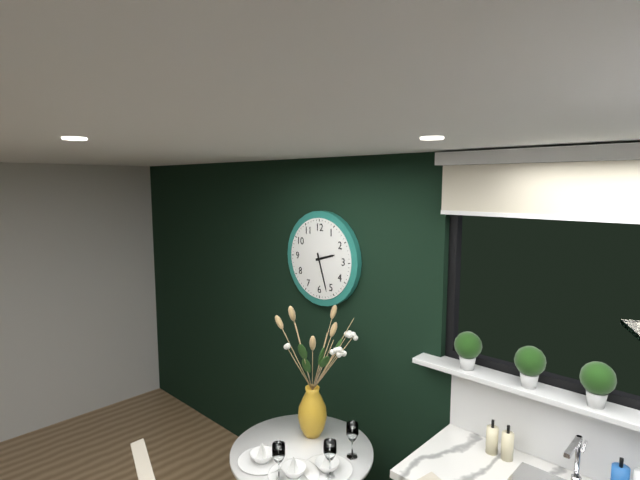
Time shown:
{"hour": 2, "minute": 27}
